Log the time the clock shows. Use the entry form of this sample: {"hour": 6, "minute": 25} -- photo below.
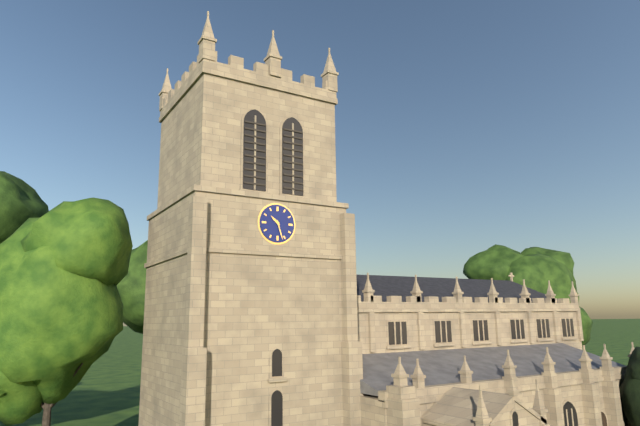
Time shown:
{"hour": 10, "minute": 27}
